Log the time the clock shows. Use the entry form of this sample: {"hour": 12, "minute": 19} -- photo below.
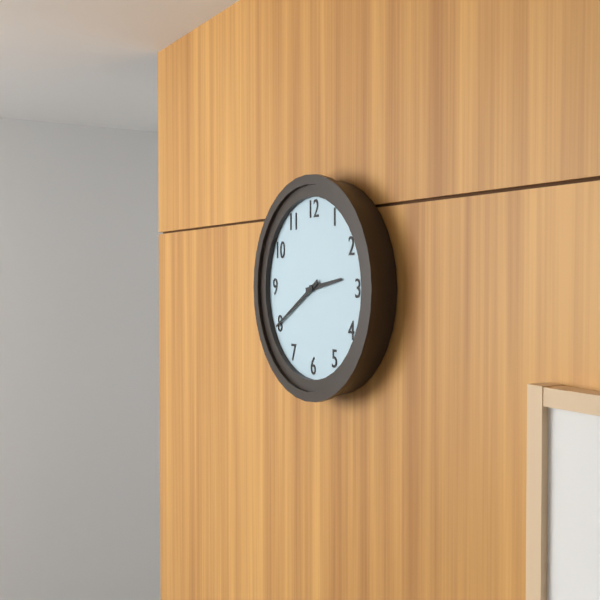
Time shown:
{"hour": 2, "minute": 40}
